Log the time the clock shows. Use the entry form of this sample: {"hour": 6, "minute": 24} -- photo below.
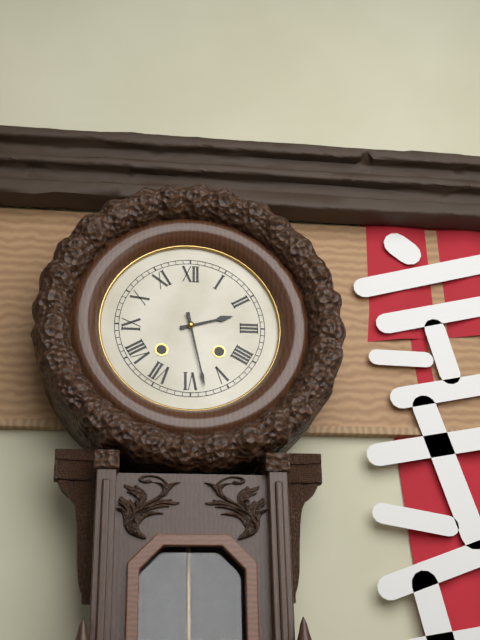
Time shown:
{"hour": 2, "minute": 28}
